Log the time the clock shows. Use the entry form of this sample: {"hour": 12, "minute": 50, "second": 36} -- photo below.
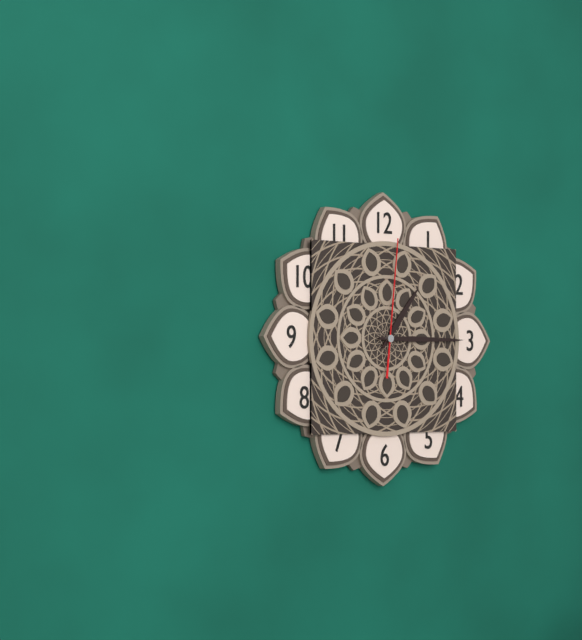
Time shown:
{"hour": 1, "minute": 15, "second": 1}
